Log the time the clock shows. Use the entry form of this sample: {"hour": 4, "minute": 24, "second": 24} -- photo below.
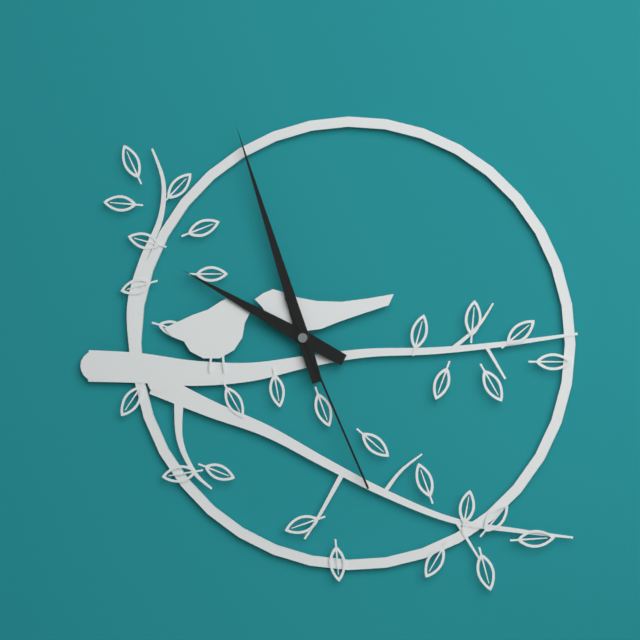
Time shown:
{"hour": 9, "minute": 57, "second": 26}
